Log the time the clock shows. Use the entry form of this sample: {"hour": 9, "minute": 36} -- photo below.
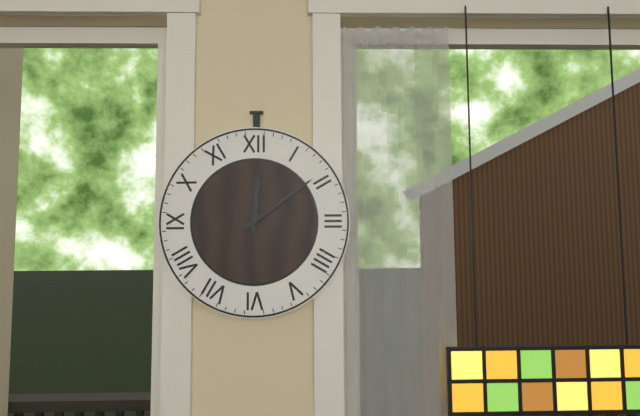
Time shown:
{"hour": 12, "minute": 9}
